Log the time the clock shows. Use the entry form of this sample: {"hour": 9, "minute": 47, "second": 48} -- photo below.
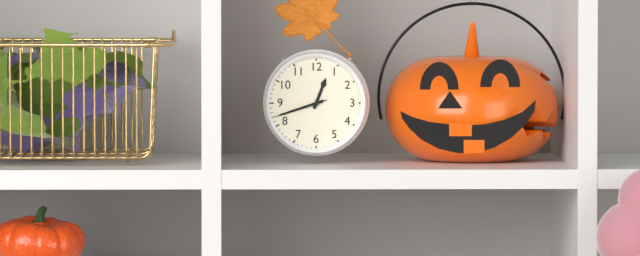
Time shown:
{"hour": 12, "minute": 42, "second": 42}
